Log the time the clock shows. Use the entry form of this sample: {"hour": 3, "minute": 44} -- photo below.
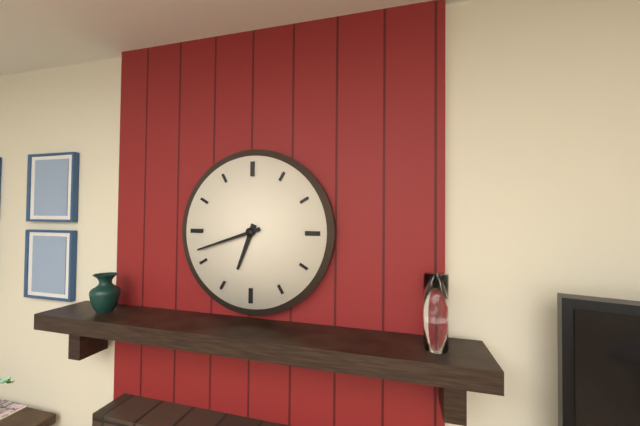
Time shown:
{"hour": 6, "minute": 42}
